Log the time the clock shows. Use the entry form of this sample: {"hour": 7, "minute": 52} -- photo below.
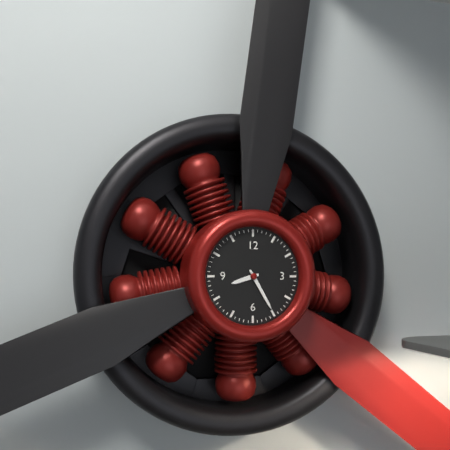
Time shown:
{"hour": 8, "minute": 25}
